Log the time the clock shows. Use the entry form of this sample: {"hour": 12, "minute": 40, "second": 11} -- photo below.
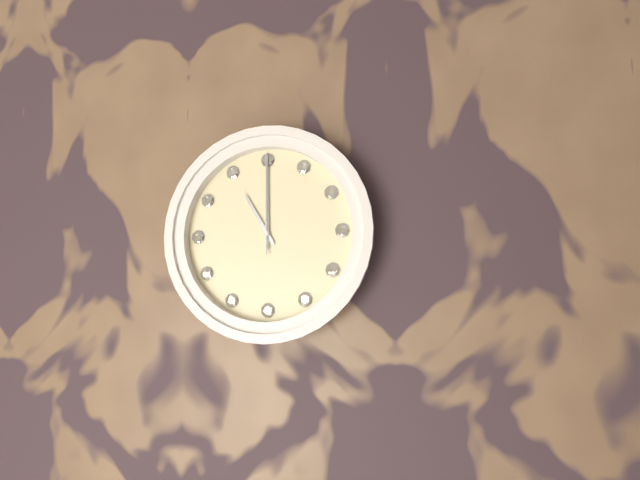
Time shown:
{"hour": 11, "minute": 0, "second": 0}
